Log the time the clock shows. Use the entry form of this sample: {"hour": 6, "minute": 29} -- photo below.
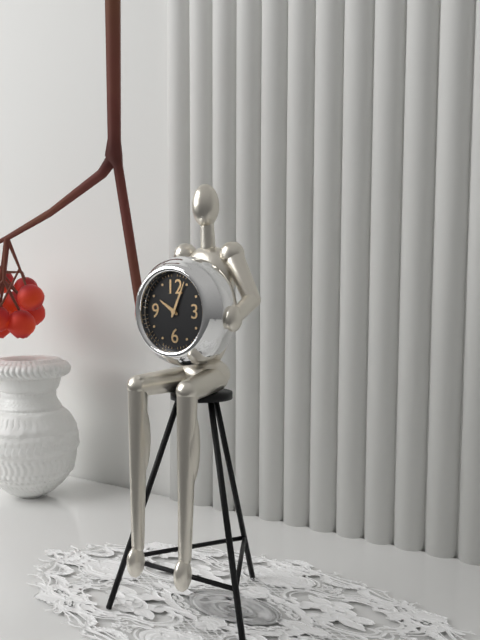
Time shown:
{"hour": 10, "minute": 4}
